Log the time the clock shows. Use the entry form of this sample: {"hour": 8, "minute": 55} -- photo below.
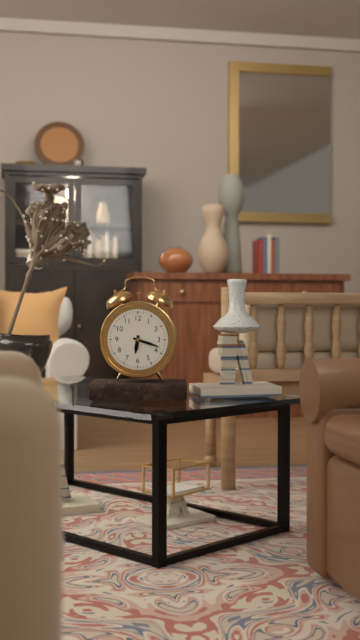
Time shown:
{"hour": 6, "minute": 18}
